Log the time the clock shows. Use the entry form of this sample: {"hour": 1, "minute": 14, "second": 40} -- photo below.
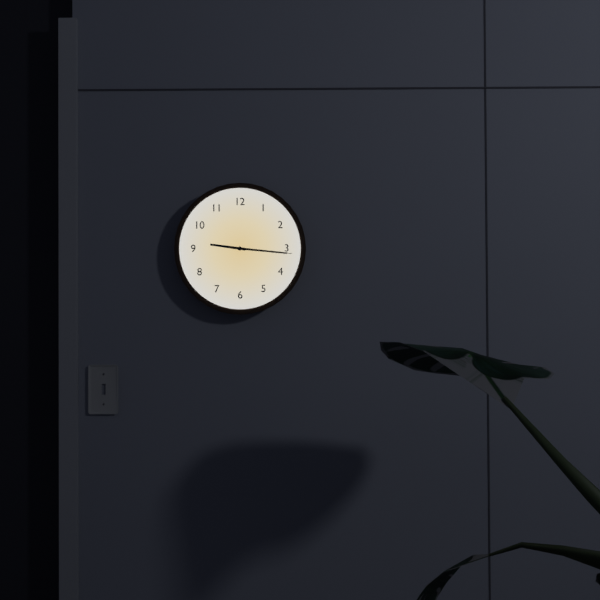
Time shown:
{"hour": 9, "minute": 16, "second": 16}
